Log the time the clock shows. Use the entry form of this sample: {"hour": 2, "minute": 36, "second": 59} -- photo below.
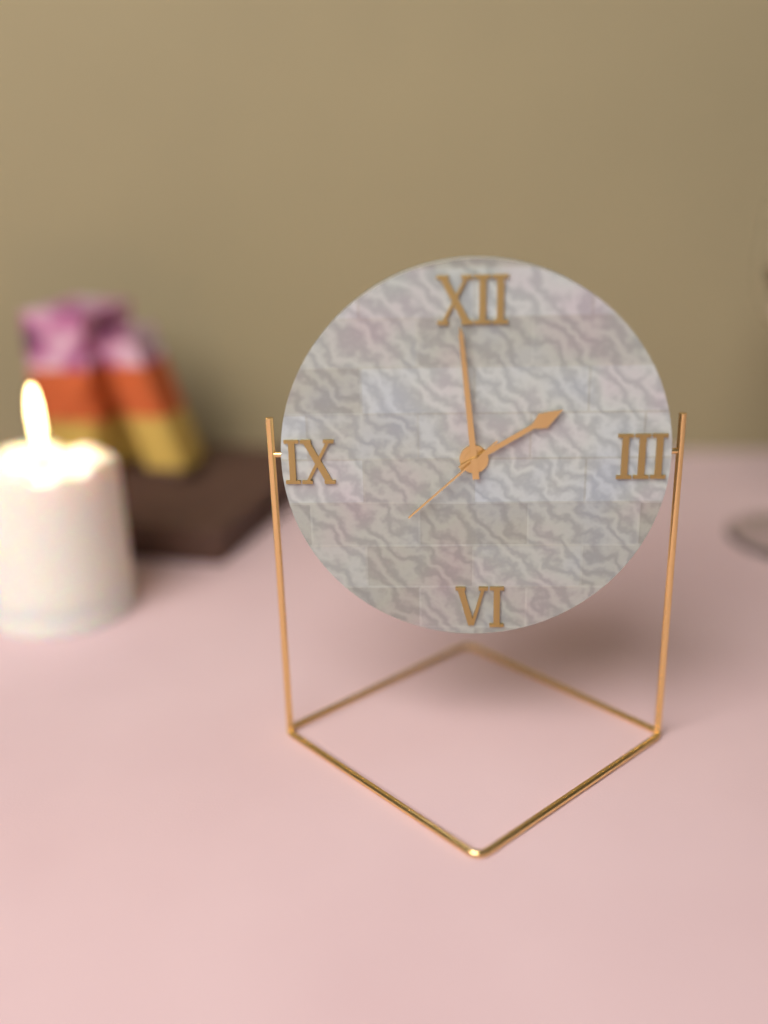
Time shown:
{"hour": 1, "minute": 59, "second": 38}
